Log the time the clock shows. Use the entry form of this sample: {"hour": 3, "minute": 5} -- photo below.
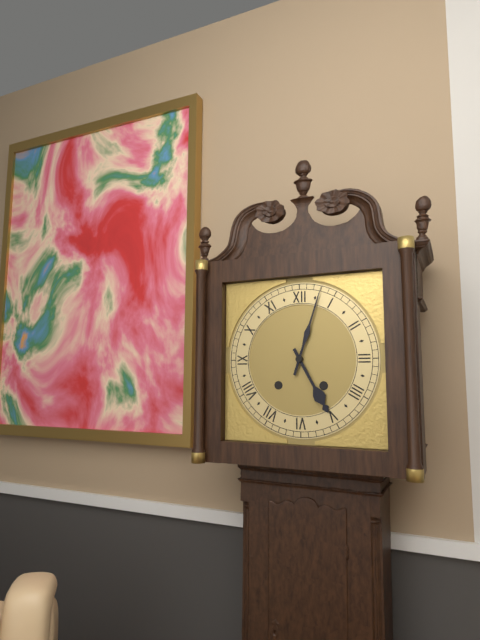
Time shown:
{"hour": 5, "minute": 3}
